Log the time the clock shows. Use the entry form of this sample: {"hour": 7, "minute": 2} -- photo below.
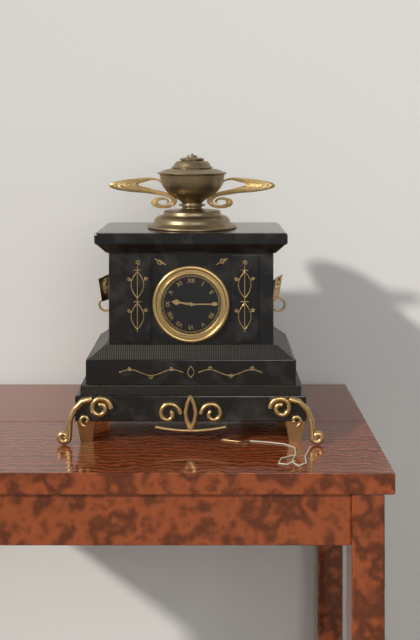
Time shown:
{"hour": 9, "minute": 15}
